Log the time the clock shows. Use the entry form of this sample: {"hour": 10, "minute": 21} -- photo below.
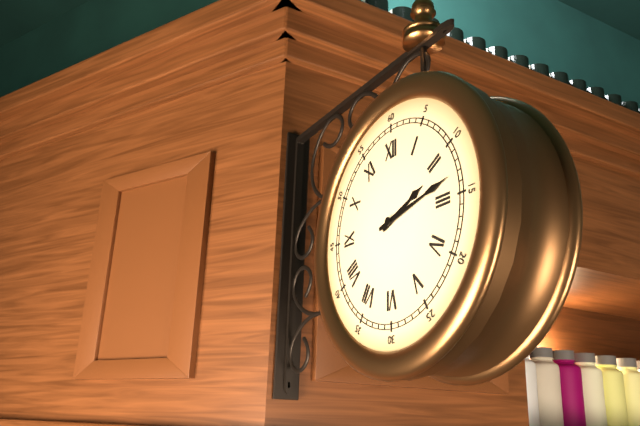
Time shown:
{"hour": 2, "minute": 13}
